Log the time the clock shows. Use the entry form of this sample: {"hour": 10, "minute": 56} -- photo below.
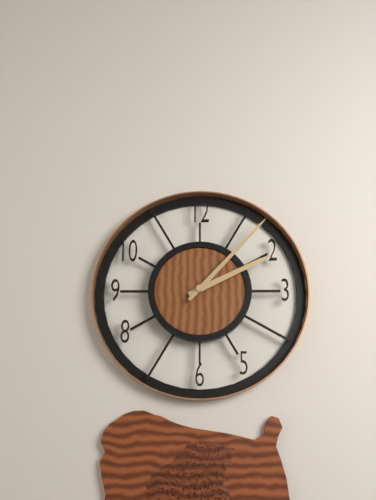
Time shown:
{"hour": 2, "minute": 7}
